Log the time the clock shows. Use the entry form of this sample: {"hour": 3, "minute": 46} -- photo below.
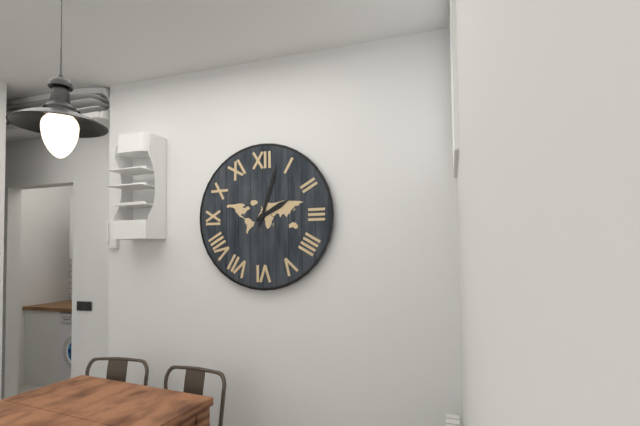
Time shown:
{"hour": 2, "minute": 3}
